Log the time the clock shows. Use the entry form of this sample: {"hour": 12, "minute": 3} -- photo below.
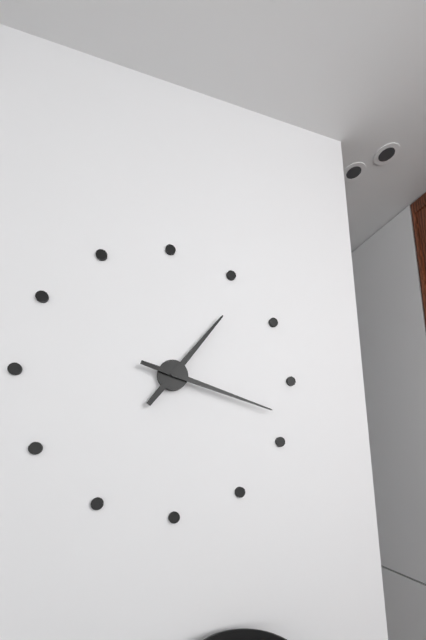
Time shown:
{"hour": 1, "minute": 18}
